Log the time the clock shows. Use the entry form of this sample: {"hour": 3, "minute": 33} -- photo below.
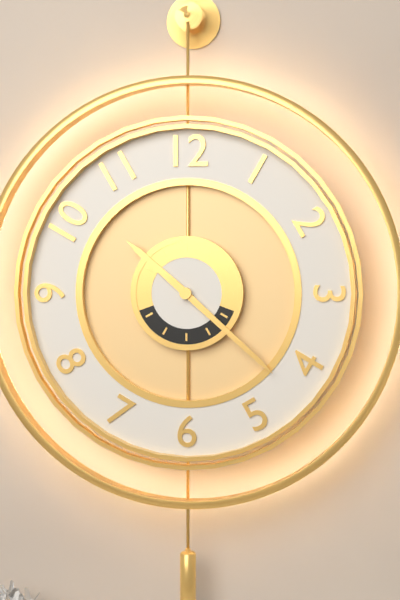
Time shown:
{"hour": 10, "minute": 22}
